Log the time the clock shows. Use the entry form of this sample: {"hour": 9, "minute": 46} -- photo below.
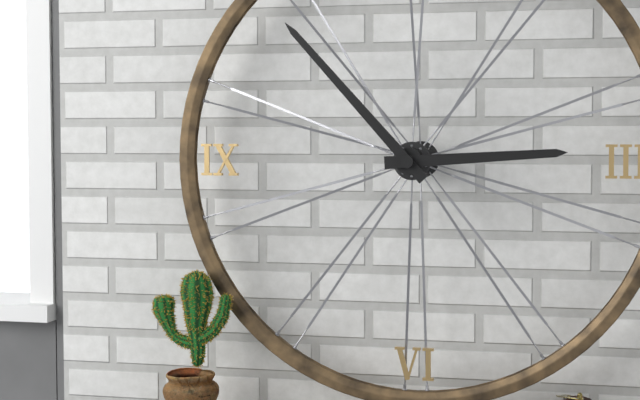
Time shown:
{"hour": 2, "minute": 53}
